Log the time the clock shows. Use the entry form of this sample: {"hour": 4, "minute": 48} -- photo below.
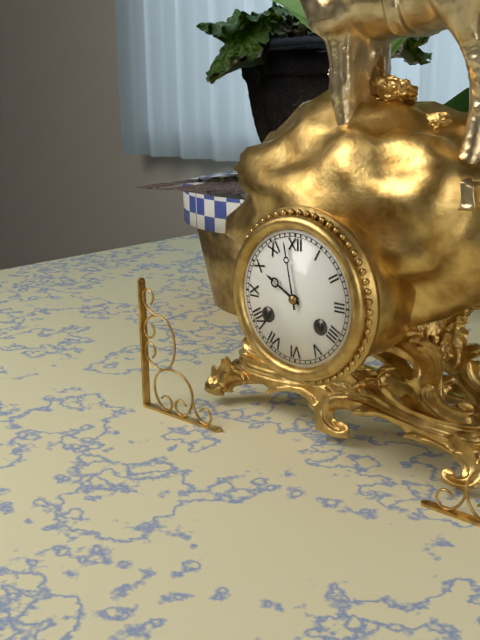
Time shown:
{"hour": 9, "minute": 58}
